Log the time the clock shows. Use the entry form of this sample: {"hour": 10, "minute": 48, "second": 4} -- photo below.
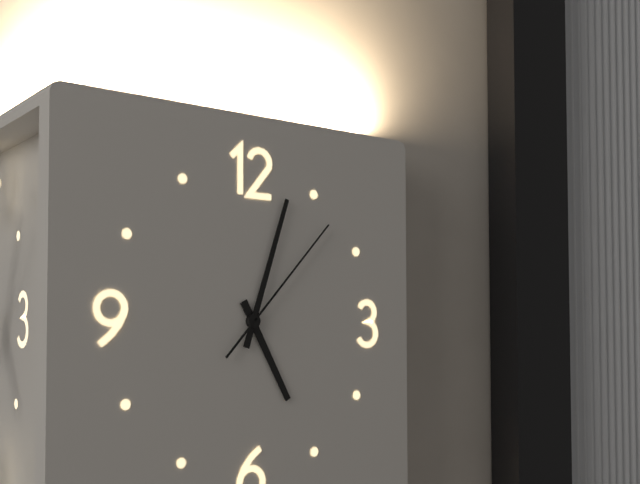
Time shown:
{"hour": 5, "minute": 3, "second": 7}
